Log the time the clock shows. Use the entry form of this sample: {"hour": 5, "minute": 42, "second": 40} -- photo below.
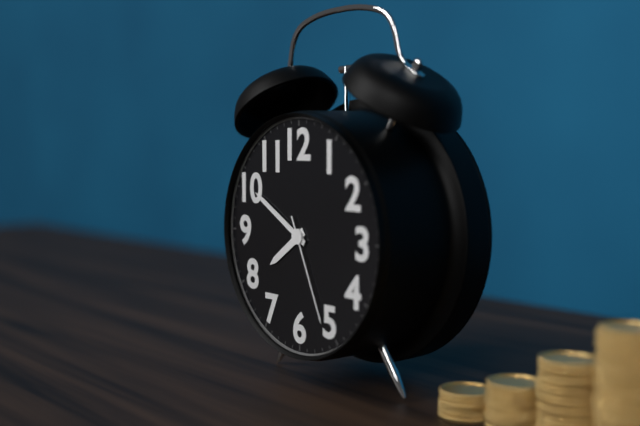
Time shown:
{"hour": 7, "minute": 50, "second": 26}
